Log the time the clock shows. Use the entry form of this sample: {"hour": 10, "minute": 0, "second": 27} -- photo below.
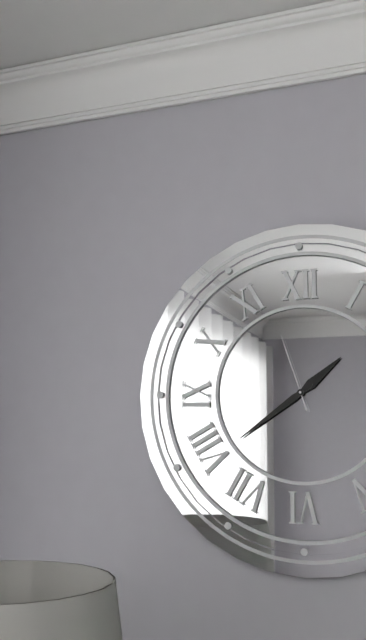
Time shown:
{"hour": 1, "minute": 39, "second": 57}
